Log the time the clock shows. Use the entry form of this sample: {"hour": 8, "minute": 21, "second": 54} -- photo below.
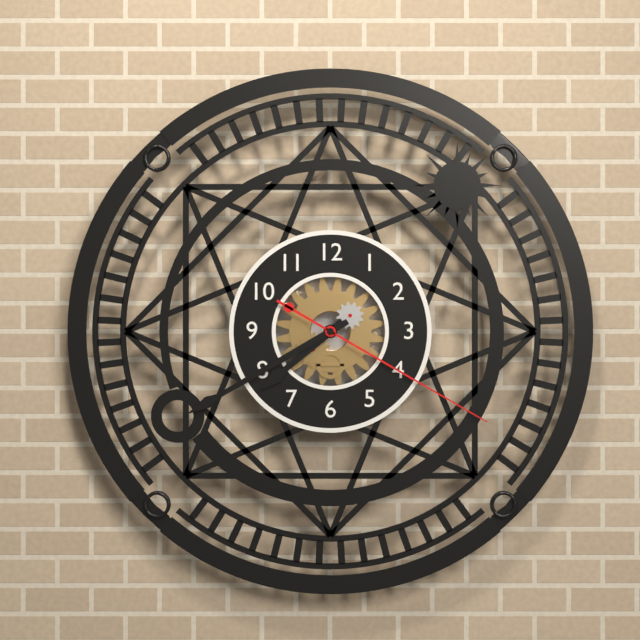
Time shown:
{"hour": 7, "minute": 40, "second": 20}
